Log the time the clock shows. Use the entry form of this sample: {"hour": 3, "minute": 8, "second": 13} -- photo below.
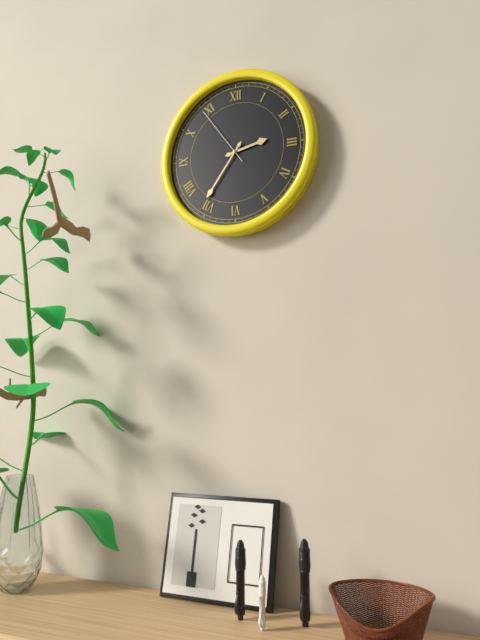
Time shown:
{"hour": 2, "minute": 36, "second": 54}
